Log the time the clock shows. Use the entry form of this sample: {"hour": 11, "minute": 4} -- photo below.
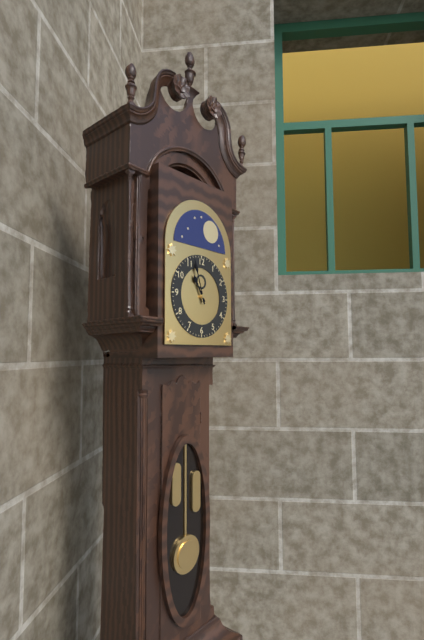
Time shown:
{"hour": 10, "minute": 57}
